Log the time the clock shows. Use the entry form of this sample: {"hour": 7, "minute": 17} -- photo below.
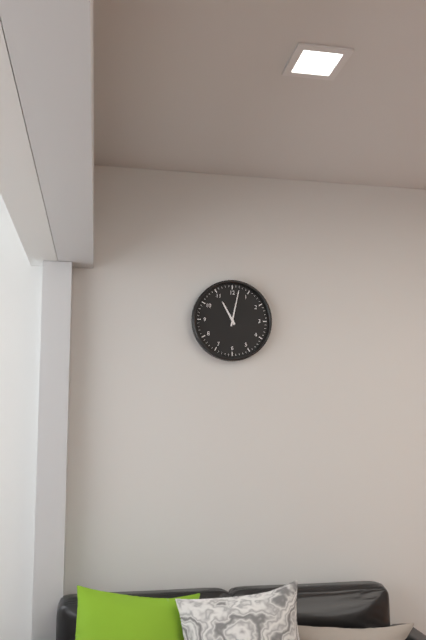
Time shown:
{"hour": 11, "minute": 2}
